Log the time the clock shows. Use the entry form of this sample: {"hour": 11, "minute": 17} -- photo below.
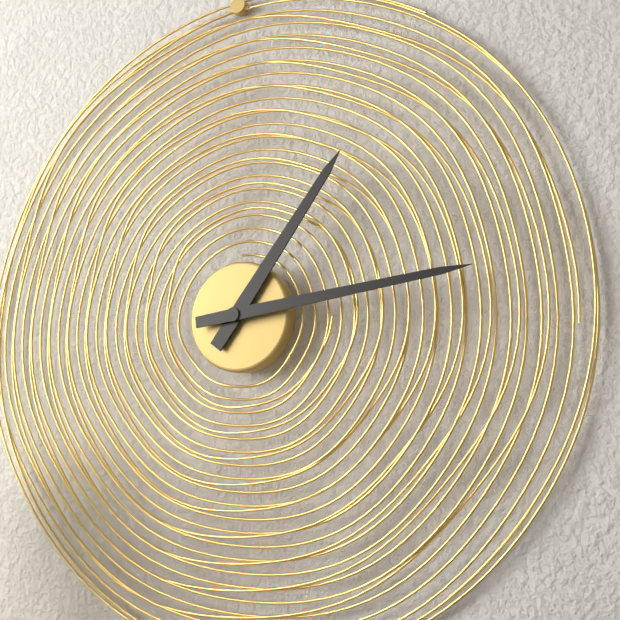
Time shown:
{"hour": 1, "minute": 14}
